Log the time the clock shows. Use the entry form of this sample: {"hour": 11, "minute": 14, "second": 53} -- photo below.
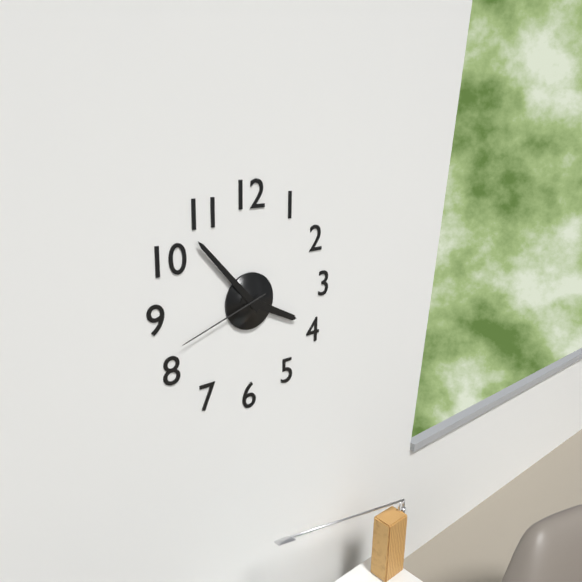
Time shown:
{"hour": 3, "minute": 53, "second": 42}
